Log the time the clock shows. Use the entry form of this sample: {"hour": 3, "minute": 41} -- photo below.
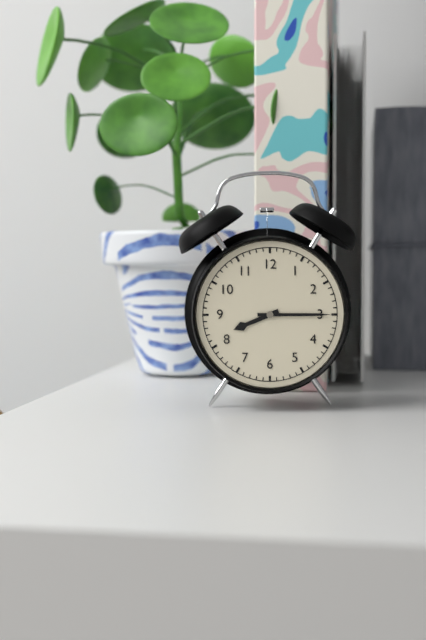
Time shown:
{"hour": 8, "minute": 15}
